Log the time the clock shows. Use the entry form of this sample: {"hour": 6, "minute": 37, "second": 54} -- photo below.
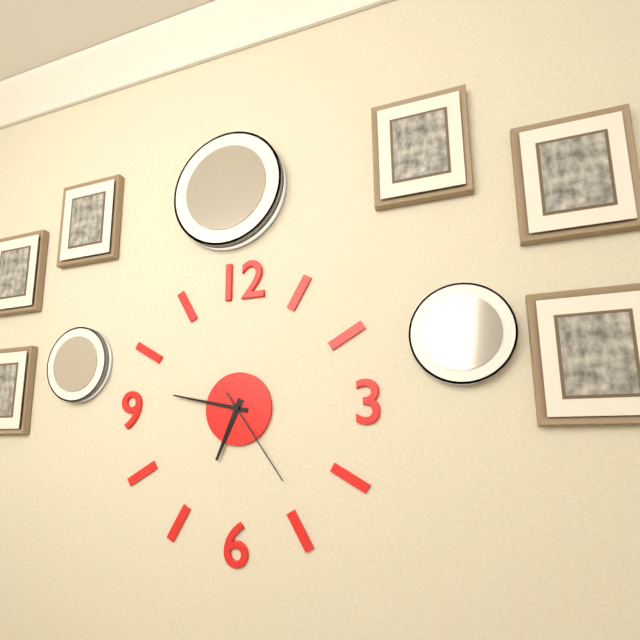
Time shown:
{"hour": 6, "minute": 47, "second": 24}
